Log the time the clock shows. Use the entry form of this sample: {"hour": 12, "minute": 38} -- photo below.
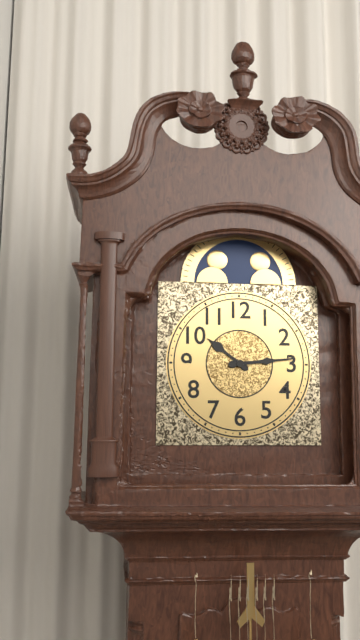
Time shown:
{"hour": 10, "minute": 14}
